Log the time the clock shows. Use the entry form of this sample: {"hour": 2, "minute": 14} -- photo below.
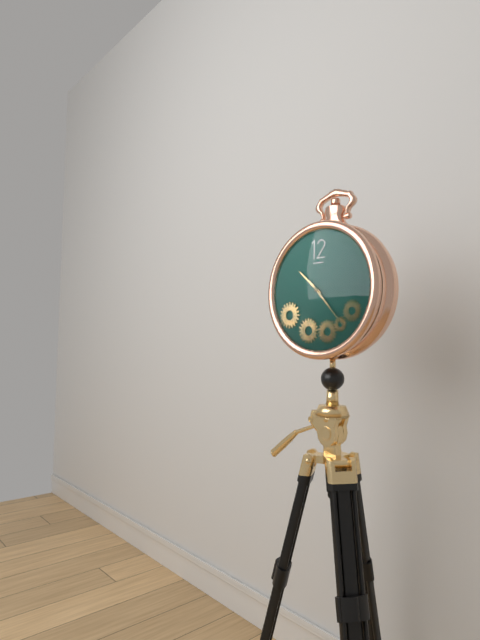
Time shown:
{"hour": 10, "minute": 23}
